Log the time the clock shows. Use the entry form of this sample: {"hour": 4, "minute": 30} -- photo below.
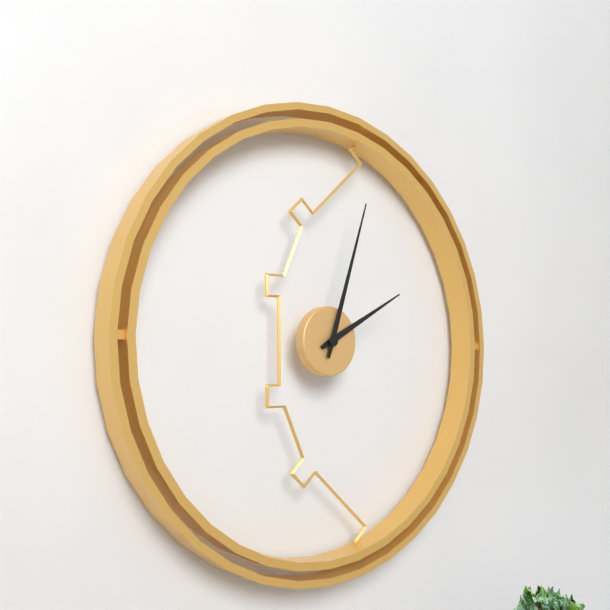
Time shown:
{"hour": 2, "minute": 3}
